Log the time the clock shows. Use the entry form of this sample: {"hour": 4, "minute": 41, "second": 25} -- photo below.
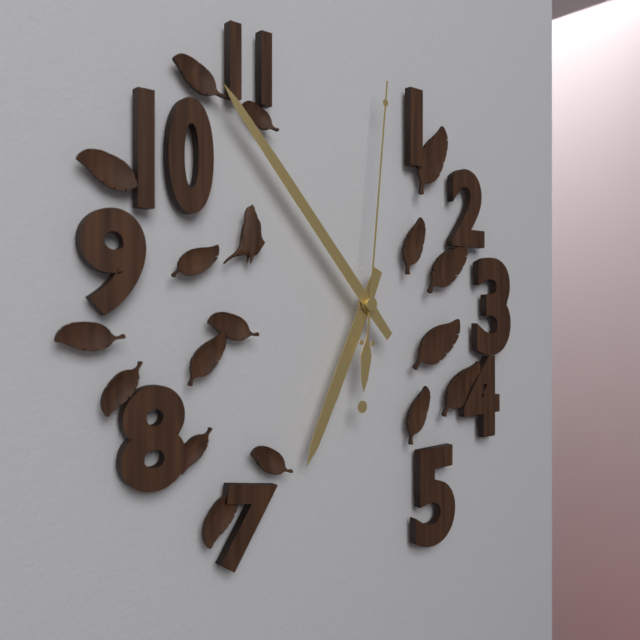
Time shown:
{"hour": 6, "minute": 53, "second": 1}
